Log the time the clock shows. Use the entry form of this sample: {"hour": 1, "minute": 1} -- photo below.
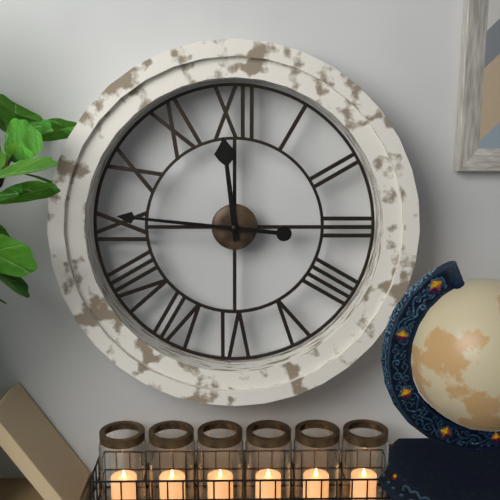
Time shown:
{"hour": 11, "minute": 46}
